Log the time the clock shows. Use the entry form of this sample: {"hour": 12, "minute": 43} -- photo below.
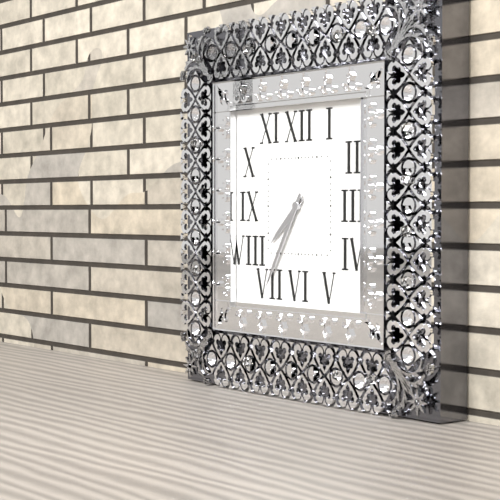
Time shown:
{"hour": 7, "minute": 35}
